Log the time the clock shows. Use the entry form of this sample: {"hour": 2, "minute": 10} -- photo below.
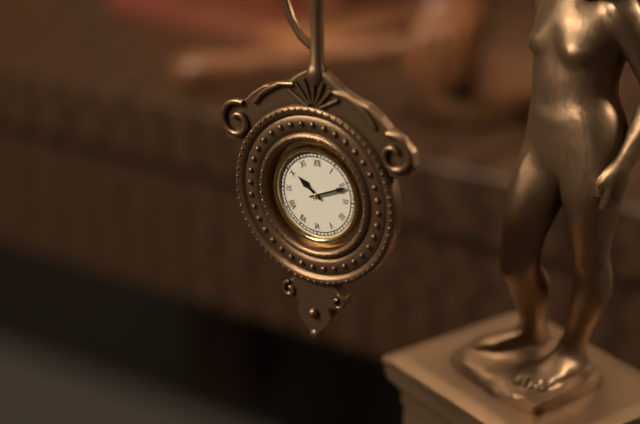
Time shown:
{"hour": 10, "minute": 11}
